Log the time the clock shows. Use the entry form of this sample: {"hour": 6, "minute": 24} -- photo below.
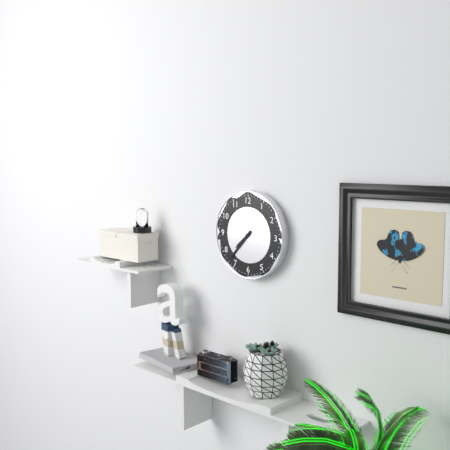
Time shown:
{"hour": 7, "minute": 37}
